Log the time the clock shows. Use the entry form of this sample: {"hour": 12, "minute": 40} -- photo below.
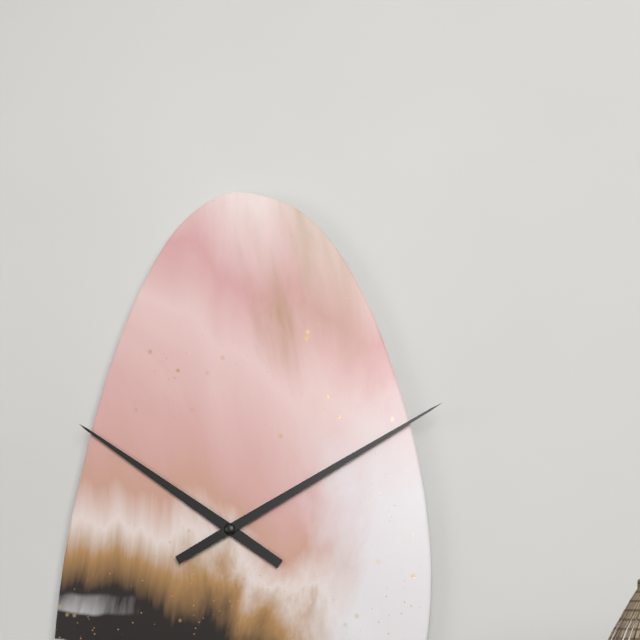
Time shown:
{"hour": 10, "minute": 10}
